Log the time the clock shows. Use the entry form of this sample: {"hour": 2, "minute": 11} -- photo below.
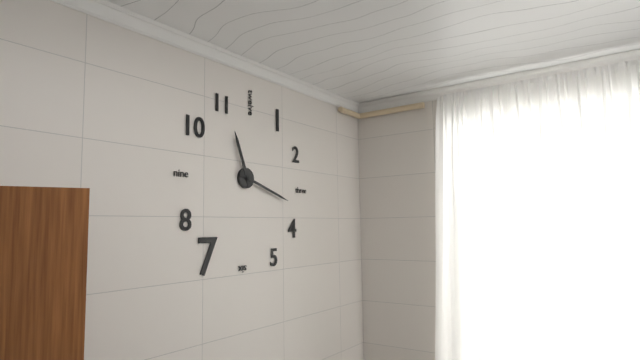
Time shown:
{"hour": 11, "minute": 18}
